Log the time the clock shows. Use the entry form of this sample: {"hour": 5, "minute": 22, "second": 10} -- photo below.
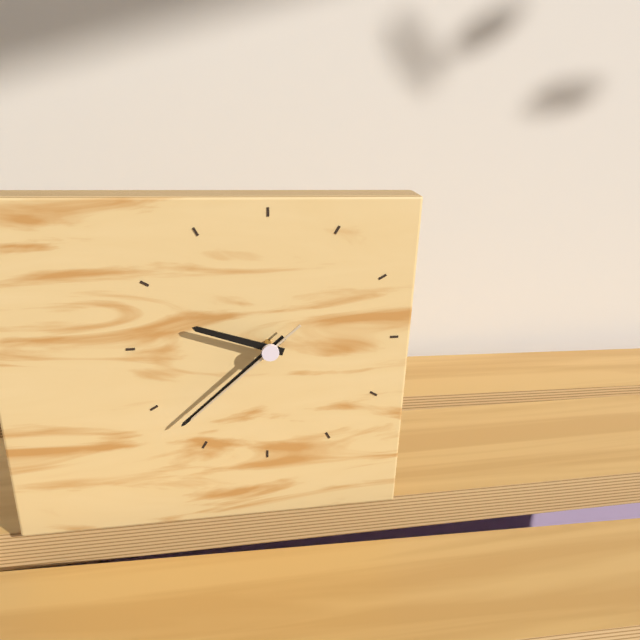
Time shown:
{"hour": 9, "minute": 38, "second": 38}
